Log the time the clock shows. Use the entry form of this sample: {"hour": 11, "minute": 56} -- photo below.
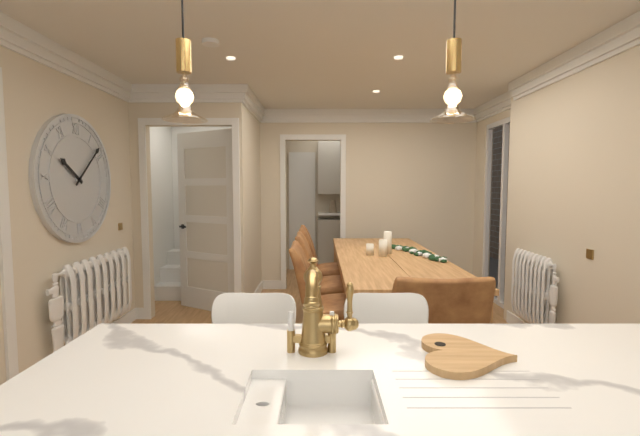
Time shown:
{"hour": 10, "minute": 8}
